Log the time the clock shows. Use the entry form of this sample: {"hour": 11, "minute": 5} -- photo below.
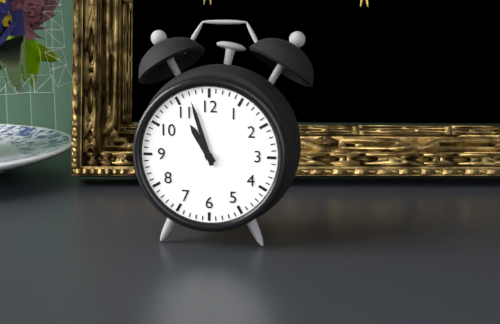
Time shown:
{"hour": 10, "minute": 57}
